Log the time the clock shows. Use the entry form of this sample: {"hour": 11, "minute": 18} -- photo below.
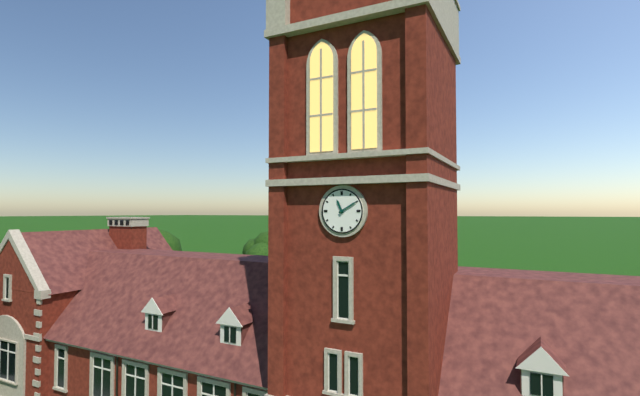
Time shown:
{"hour": 11, "minute": 10}
